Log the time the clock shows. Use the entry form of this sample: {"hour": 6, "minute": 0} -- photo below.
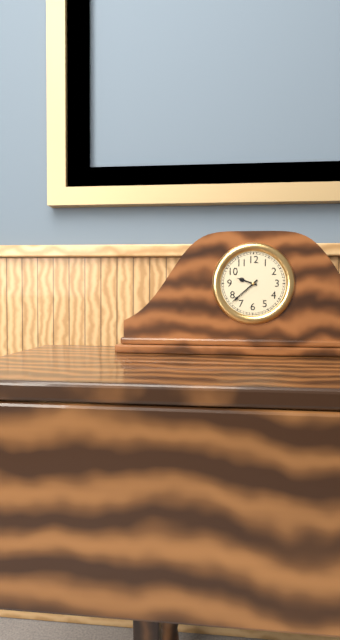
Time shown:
{"hour": 9, "minute": 38}
